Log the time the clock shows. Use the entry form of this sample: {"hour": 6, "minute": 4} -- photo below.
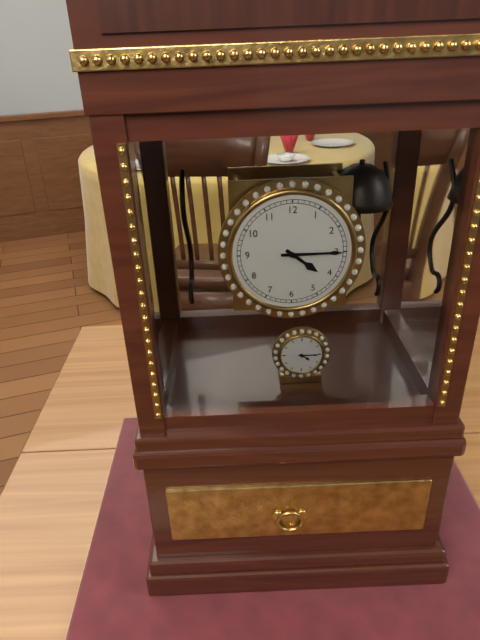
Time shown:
{"hour": 4, "minute": 15}
